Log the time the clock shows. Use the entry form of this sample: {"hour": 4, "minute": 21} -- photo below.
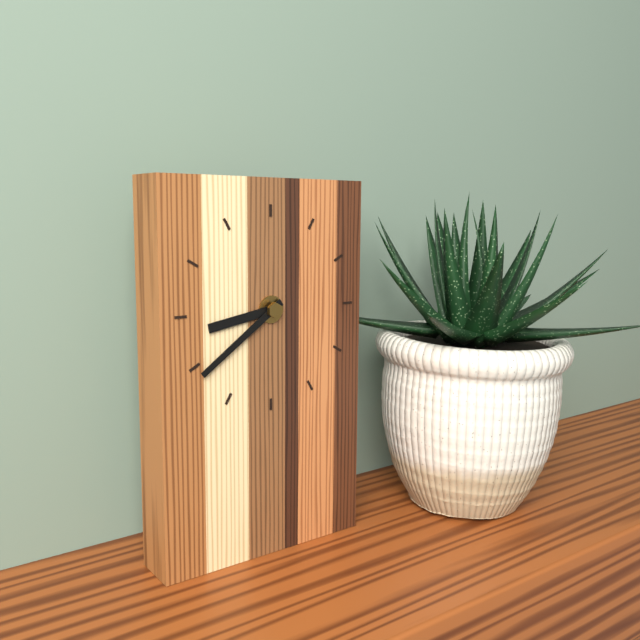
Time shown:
{"hour": 8, "minute": 39}
